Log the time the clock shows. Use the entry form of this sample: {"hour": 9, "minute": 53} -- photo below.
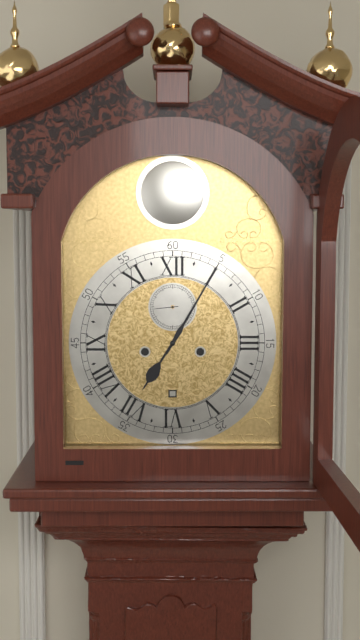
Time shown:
{"hour": 7, "minute": 5}
